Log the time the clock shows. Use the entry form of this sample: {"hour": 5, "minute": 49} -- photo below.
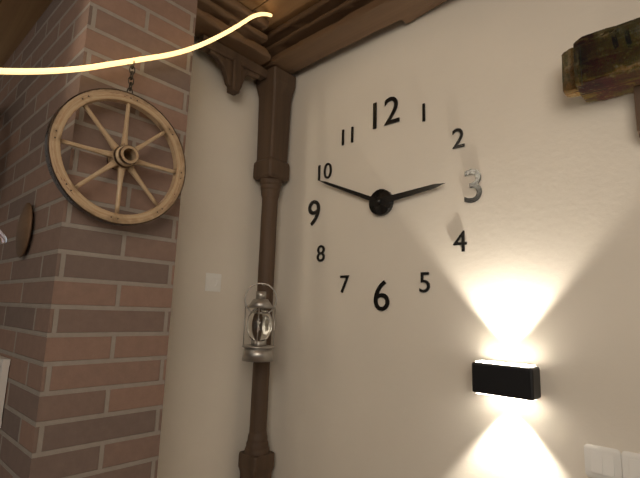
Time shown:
{"hour": 2, "minute": 49}
